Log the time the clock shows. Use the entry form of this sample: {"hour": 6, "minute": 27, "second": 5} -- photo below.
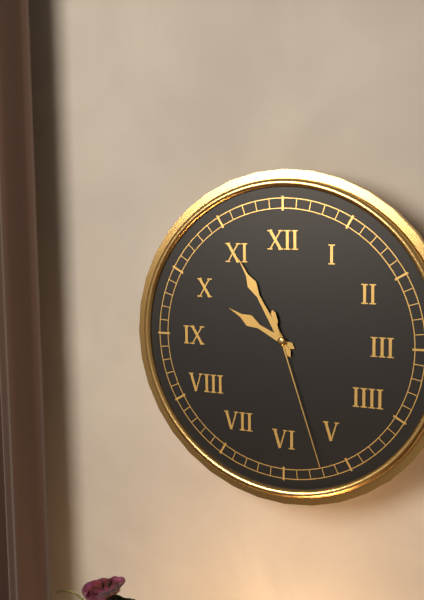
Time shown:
{"hour": 9, "minute": 55, "second": 27}
